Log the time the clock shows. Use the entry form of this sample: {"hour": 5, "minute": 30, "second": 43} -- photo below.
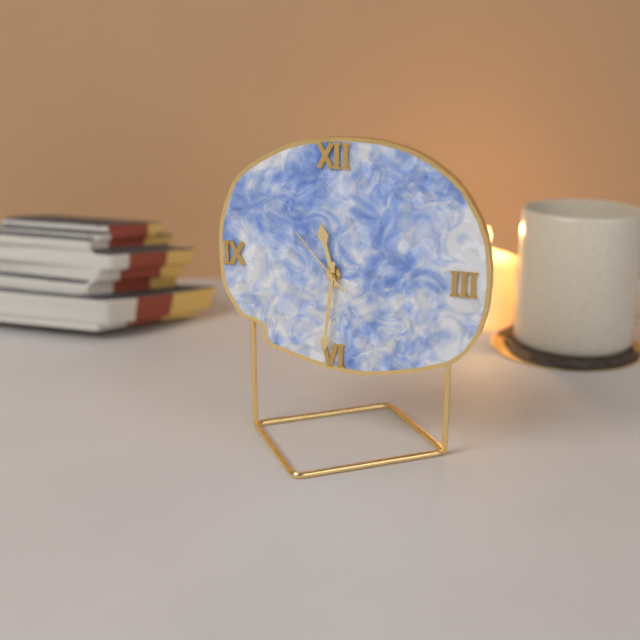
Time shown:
{"hour": 11, "minute": 31, "second": 53}
